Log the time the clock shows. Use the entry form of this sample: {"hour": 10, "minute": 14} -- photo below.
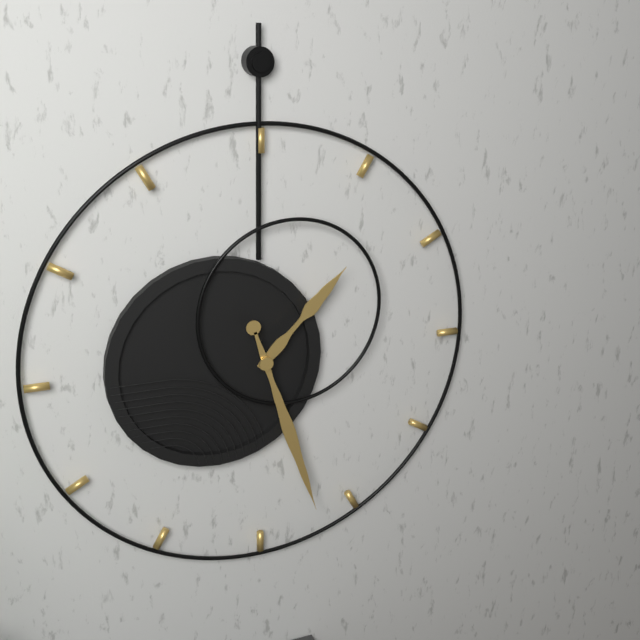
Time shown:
{"hour": 1, "minute": 27}
